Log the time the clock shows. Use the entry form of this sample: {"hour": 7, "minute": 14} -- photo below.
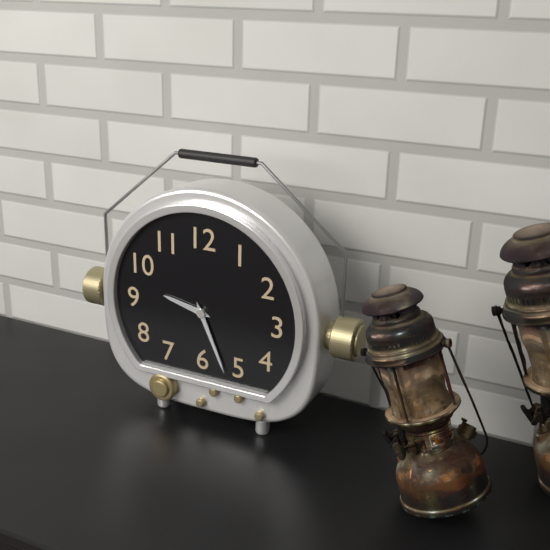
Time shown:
{"hour": 9, "minute": 26}
